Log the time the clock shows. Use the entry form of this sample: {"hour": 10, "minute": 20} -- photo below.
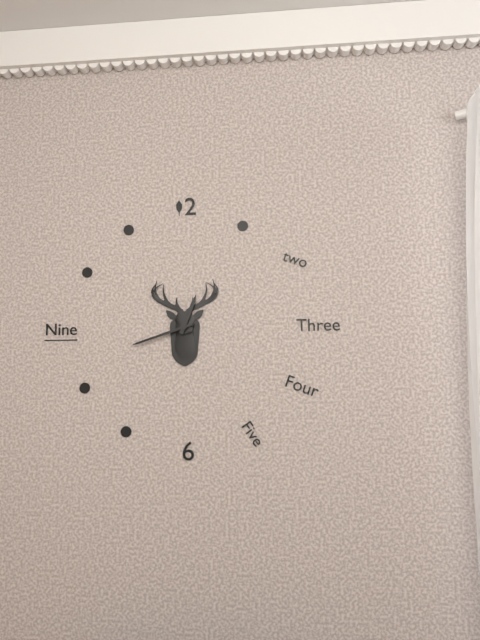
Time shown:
{"hour": 12, "minute": 42}
